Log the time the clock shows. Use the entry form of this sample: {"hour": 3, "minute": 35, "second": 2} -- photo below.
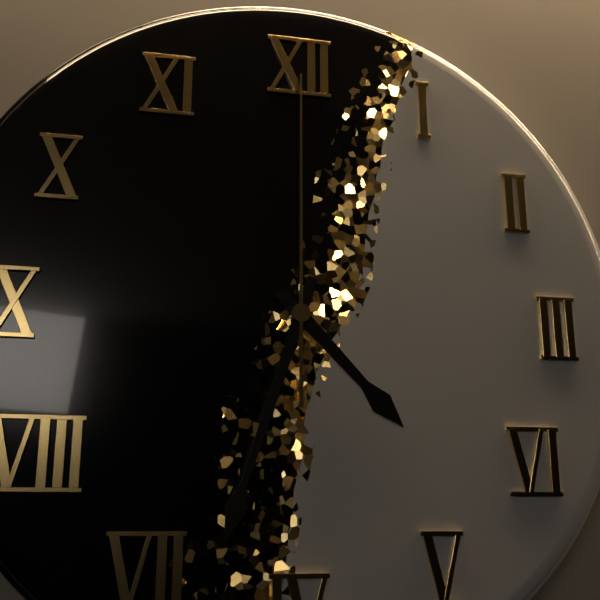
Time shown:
{"hour": 4, "minute": 33, "second": 0}
